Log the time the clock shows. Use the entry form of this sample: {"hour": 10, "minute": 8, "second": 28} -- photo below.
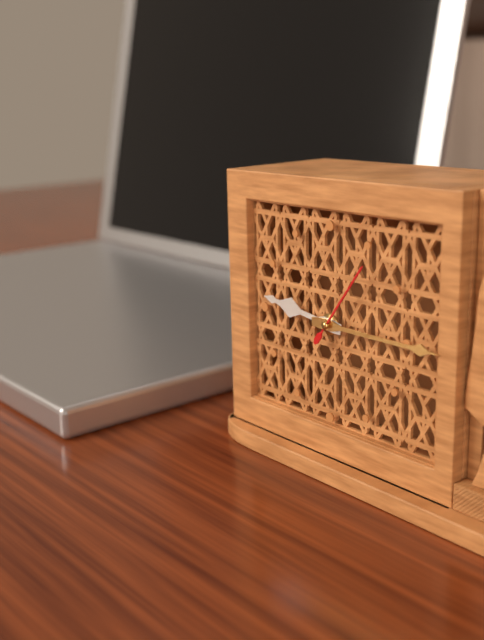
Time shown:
{"hour": 9, "minute": 15, "second": 6}
